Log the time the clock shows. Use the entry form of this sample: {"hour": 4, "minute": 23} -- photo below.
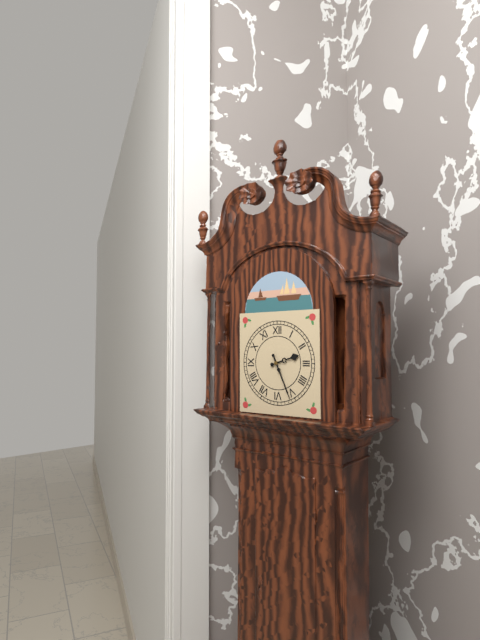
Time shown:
{"hour": 2, "minute": 26}
